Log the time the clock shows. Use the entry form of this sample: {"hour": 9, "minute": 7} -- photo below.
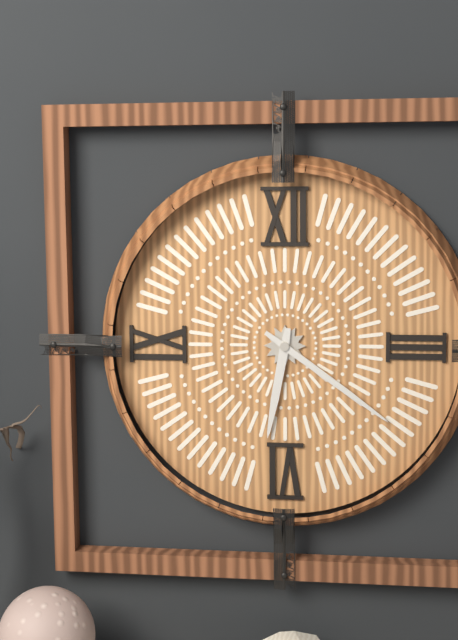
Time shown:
{"hour": 6, "minute": 21}
